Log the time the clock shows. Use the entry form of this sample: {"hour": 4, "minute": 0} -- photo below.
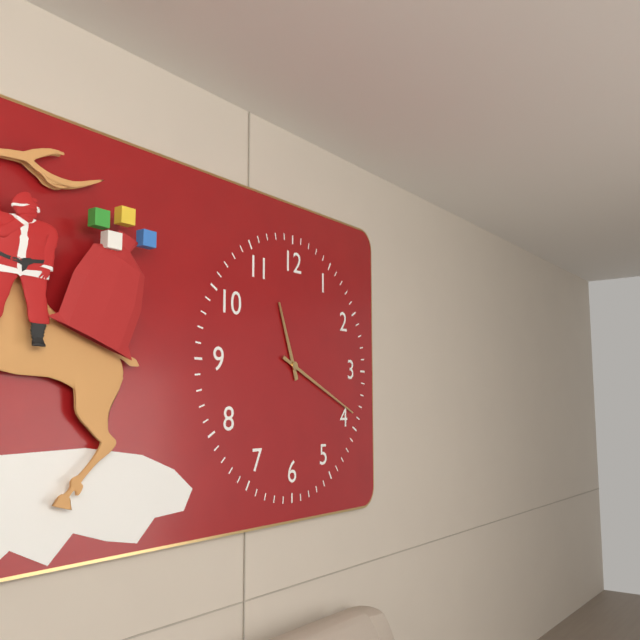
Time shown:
{"hour": 11, "minute": 19}
